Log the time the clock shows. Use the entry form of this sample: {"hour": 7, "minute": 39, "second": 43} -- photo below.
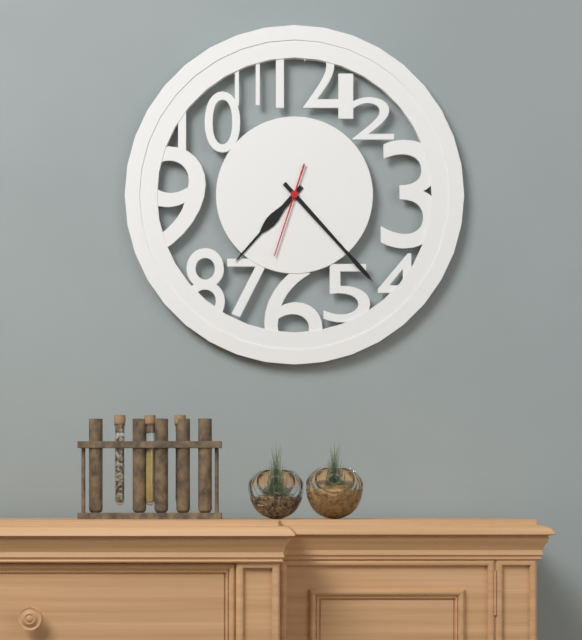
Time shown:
{"hour": 7, "minute": 23, "second": 33}
